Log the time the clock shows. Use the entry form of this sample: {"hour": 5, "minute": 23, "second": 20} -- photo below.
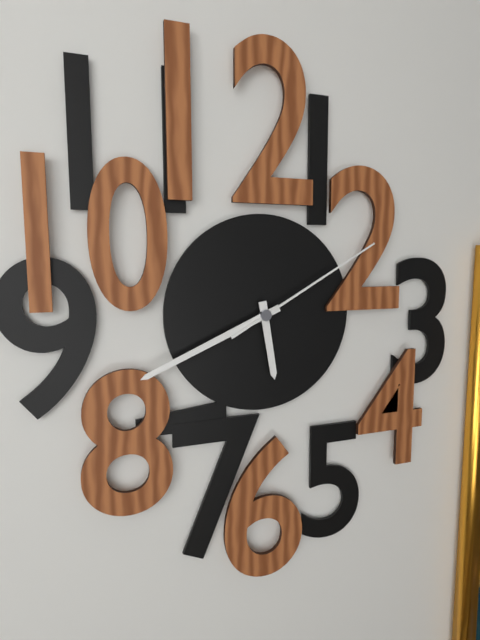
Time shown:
{"hour": 5, "minute": 41, "second": 10}
